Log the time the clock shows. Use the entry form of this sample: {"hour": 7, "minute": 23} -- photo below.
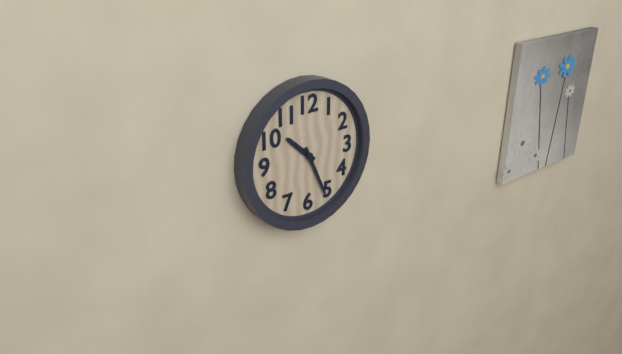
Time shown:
{"hour": 10, "minute": 26}
